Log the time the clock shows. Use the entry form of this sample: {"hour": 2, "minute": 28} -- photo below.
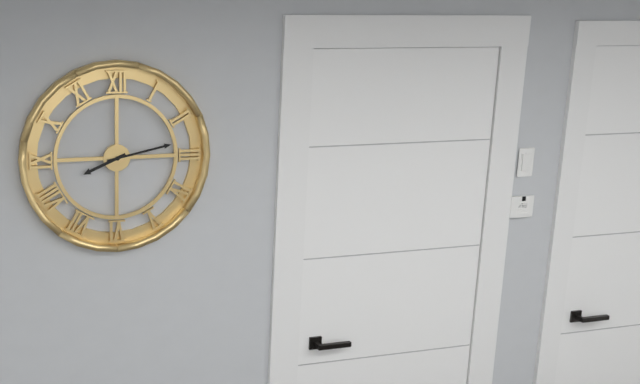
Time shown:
{"hour": 8, "minute": 13}
